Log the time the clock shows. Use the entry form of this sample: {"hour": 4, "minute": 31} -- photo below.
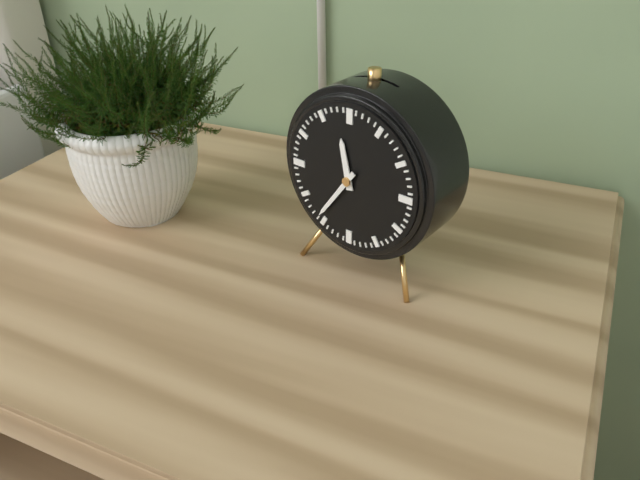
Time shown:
{"hour": 11, "minute": 36}
